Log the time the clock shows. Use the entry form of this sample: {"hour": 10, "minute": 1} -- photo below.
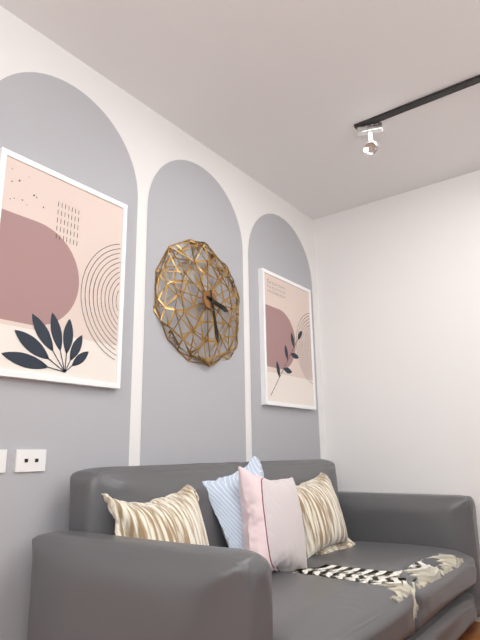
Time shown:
{"hour": 3, "minute": 28}
